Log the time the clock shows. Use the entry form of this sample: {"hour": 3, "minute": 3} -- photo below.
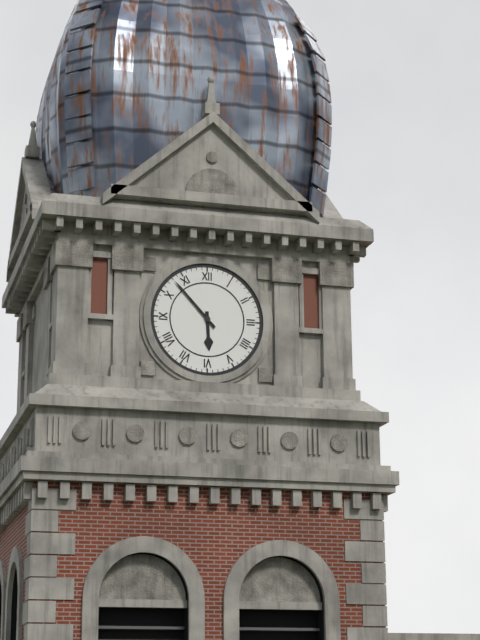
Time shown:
{"hour": 5, "minute": 53}
